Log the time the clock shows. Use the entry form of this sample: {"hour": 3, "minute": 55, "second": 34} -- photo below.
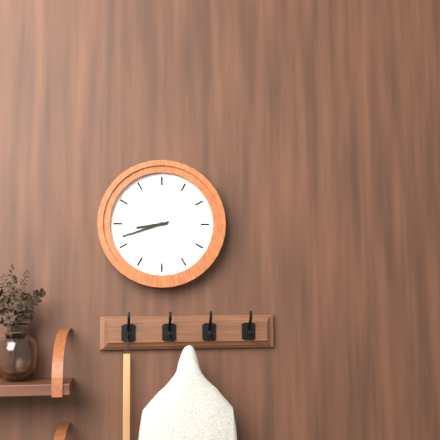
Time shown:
{"hour": 8, "minute": 42, "second": 51}
